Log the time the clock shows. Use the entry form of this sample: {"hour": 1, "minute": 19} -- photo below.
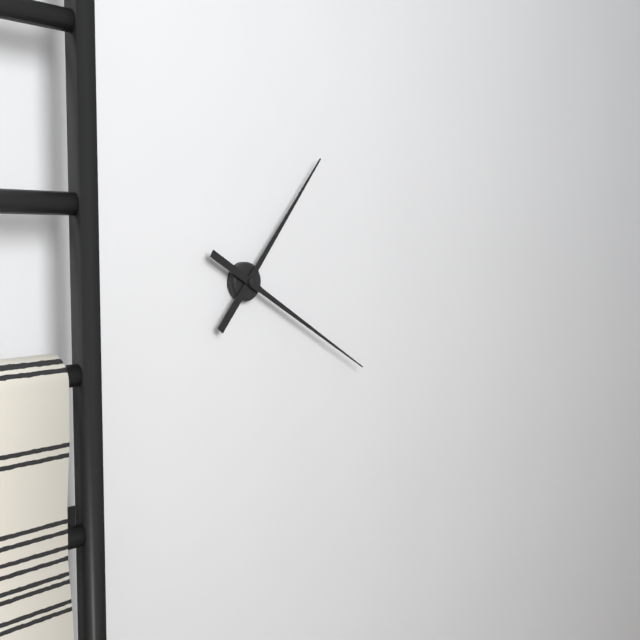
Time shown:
{"hour": 1, "minute": 20}
